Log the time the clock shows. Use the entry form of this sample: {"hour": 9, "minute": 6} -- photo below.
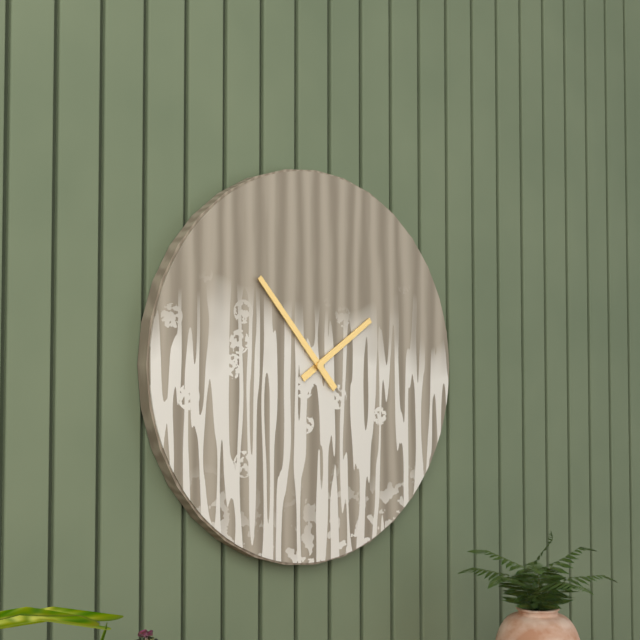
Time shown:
{"hour": 1, "minute": 53}
